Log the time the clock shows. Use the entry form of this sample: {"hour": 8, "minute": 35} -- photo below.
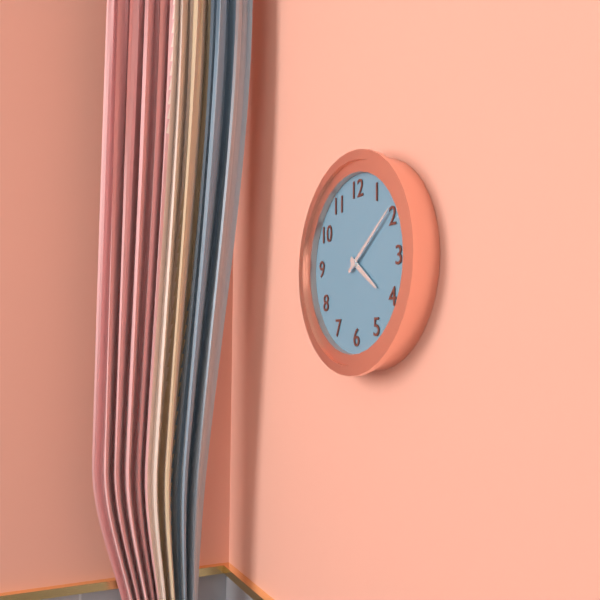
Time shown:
{"hour": 4, "minute": 9}
